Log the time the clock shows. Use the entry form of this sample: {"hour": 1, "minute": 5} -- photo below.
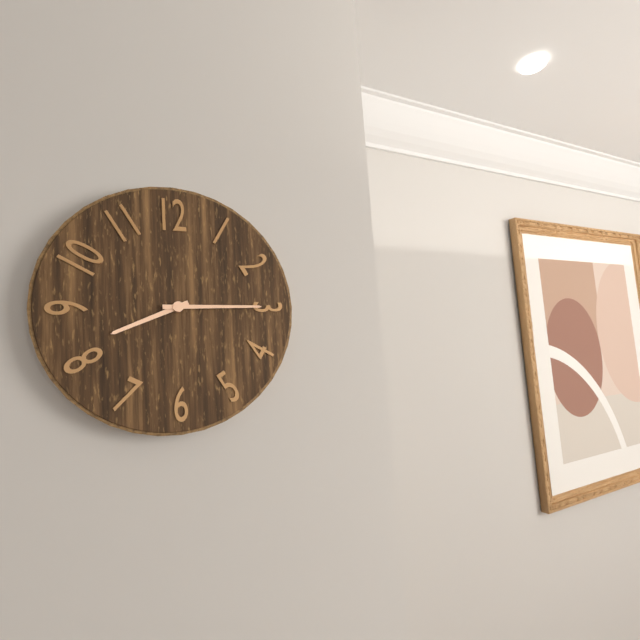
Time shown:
{"hour": 8, "minute": 15}
